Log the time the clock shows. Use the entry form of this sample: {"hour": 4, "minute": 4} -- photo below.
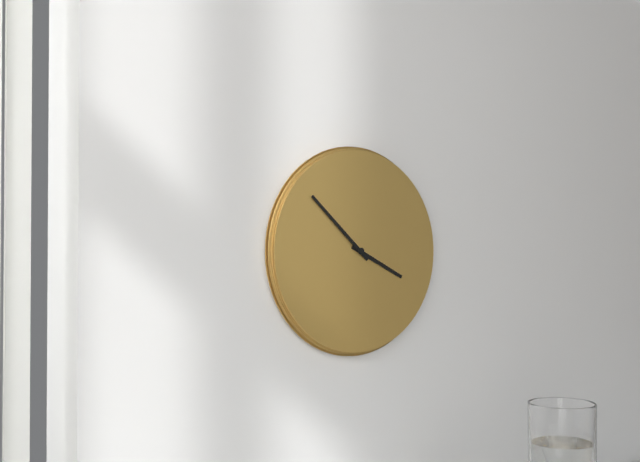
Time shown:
{"hour": 3, "minute": 52}
